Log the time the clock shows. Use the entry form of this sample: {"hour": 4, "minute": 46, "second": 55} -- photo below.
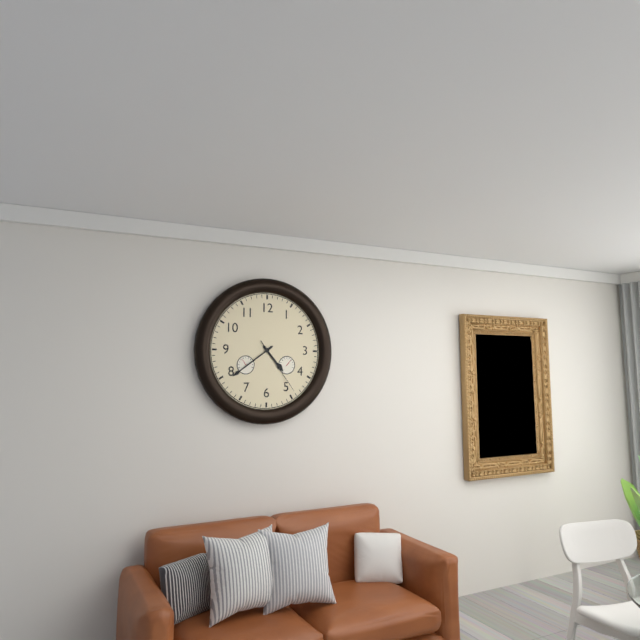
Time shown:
{"hour": 4, "minute": 39, "second": 24}
